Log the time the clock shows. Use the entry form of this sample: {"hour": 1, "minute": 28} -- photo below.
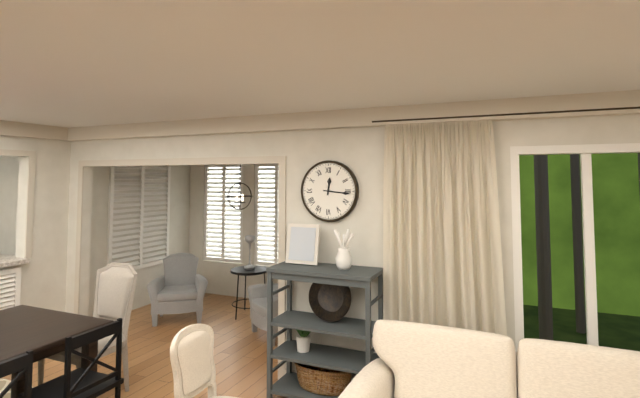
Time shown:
{"hour": 12, "minute": 16}
